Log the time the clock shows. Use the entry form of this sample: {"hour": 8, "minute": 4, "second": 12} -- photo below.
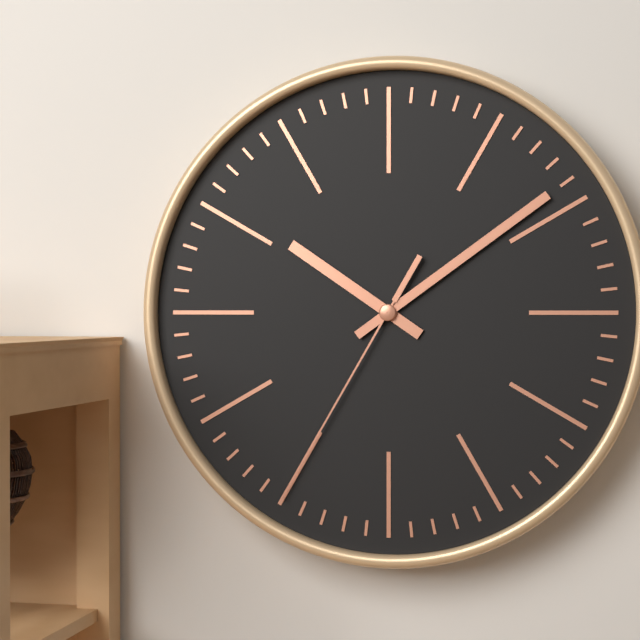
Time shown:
{"hour": 10, "minute": 9, "second": 35}
